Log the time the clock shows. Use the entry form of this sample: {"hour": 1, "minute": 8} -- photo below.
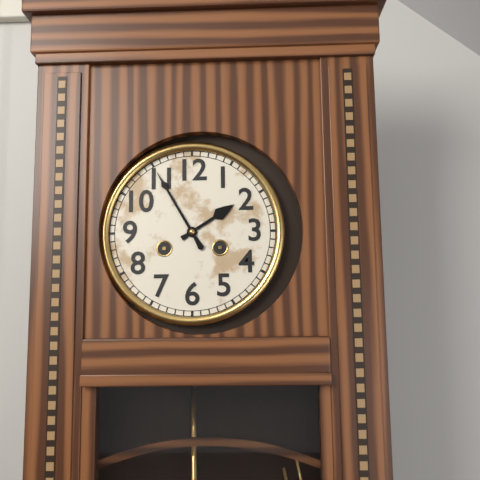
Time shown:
{"hour": 1, "minute": 55}
